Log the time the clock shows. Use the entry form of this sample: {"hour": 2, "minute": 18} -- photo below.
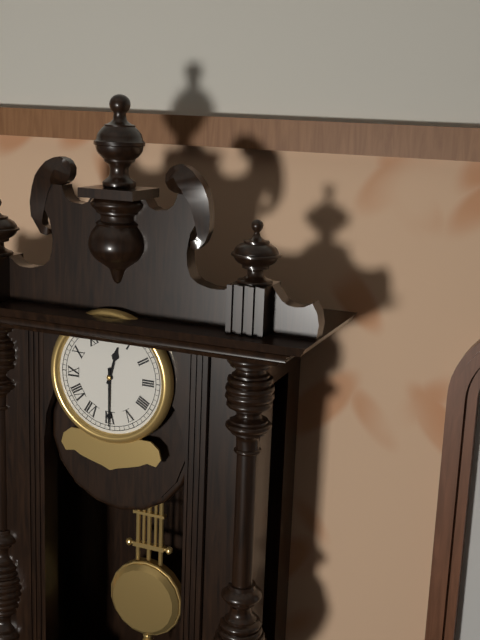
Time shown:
{"hour": 12, "minute": 30}
